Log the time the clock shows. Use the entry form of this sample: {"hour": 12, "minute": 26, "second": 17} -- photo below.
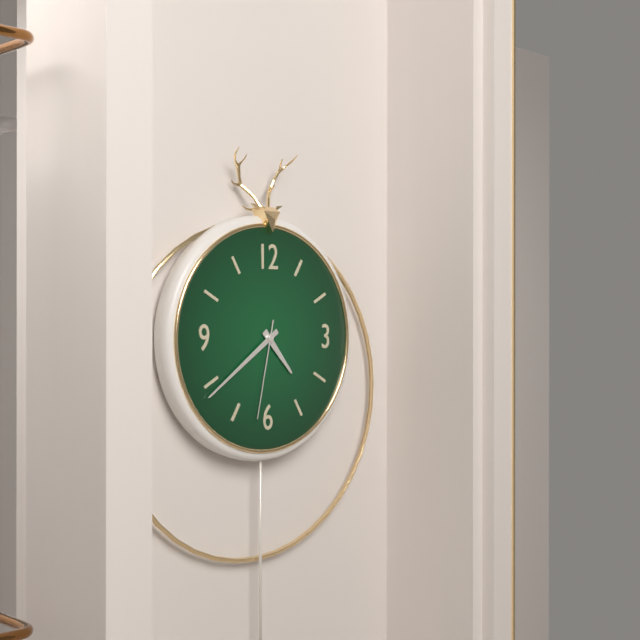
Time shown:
{"hour": 4, "minute": 39, "second": 32}
